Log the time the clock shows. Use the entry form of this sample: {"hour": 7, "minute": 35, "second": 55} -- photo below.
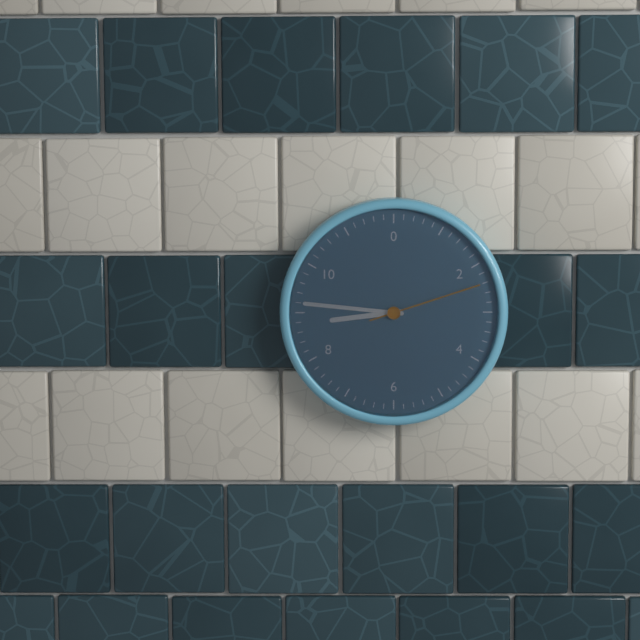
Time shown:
{"hour": 8, "minute": 46, "second": 12}
